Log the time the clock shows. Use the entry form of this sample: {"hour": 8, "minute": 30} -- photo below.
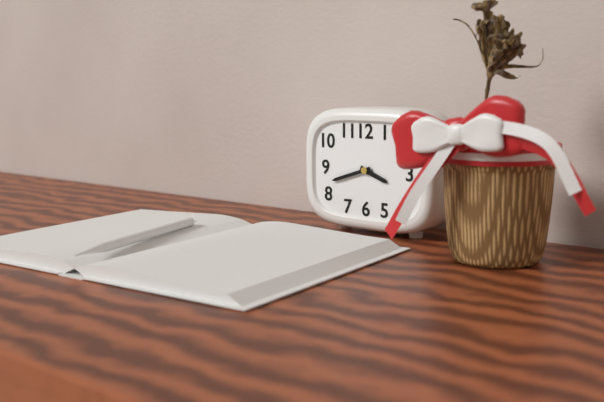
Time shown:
{"hour": 3, "minute": 42}
